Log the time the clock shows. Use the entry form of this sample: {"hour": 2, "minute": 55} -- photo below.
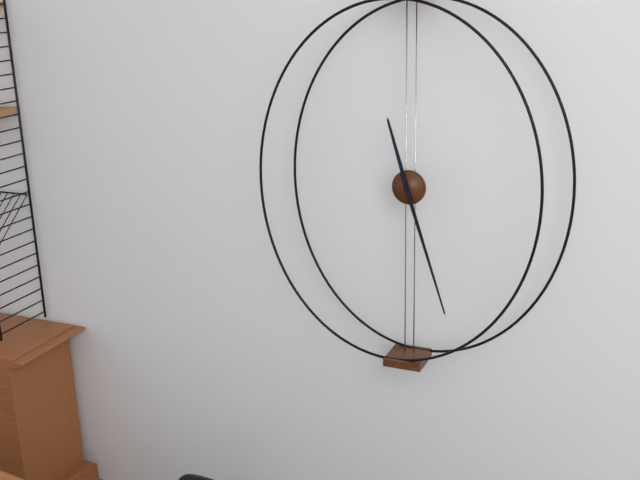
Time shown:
{"hour": 11, "minute": 27}
